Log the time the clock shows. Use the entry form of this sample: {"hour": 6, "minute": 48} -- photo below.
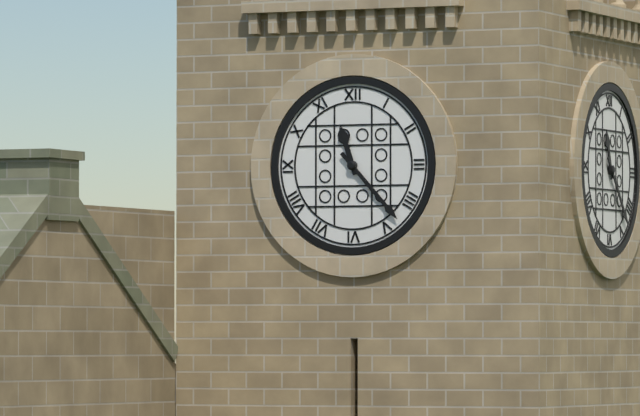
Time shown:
{"hour": 11, "minute": 23}
